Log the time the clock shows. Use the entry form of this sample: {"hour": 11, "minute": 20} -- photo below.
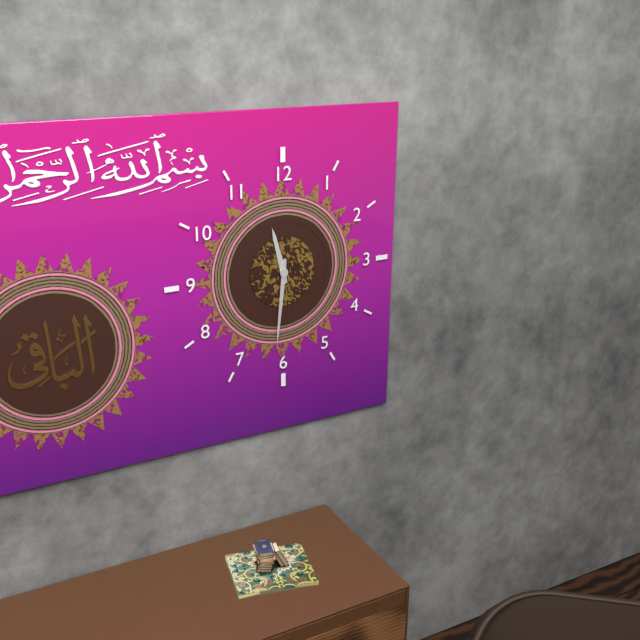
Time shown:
{"hour": 11, "minute": 31}
